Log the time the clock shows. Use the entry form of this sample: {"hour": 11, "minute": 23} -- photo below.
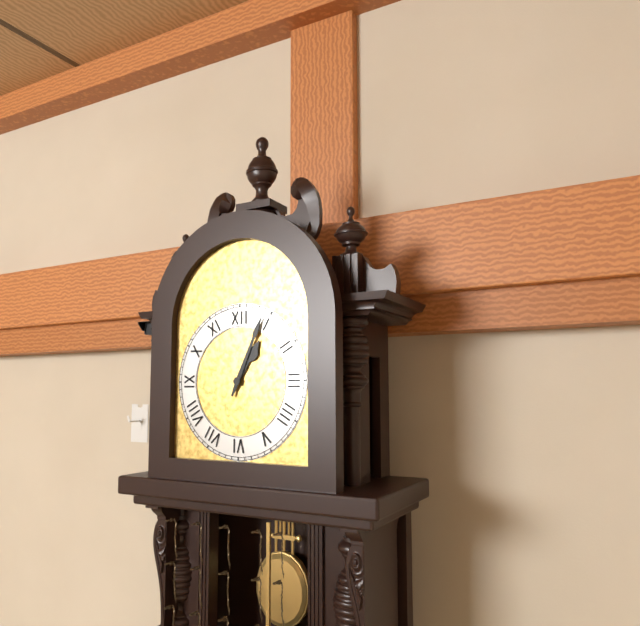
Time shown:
{"hour": 1, "minute": 4}
